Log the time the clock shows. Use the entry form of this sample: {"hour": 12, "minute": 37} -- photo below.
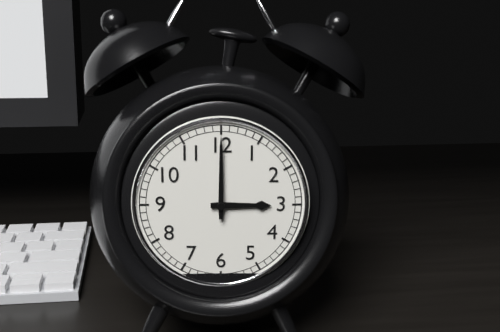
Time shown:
{"hour": 3, "minute": 0}
